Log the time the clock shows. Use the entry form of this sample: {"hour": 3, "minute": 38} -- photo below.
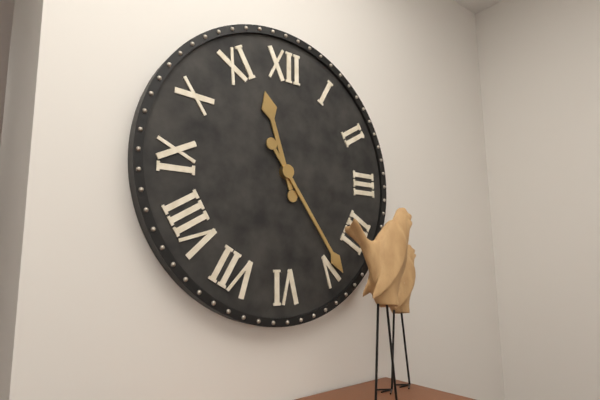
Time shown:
{"hour": 11, "minute": 24}
